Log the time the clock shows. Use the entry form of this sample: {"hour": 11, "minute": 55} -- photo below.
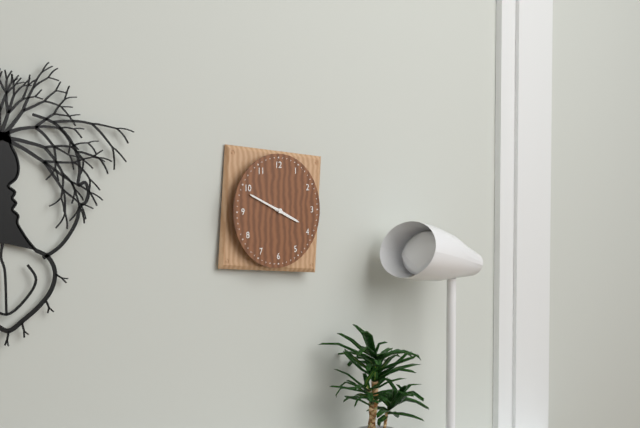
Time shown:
{"hour": 3, "minute": 49}
